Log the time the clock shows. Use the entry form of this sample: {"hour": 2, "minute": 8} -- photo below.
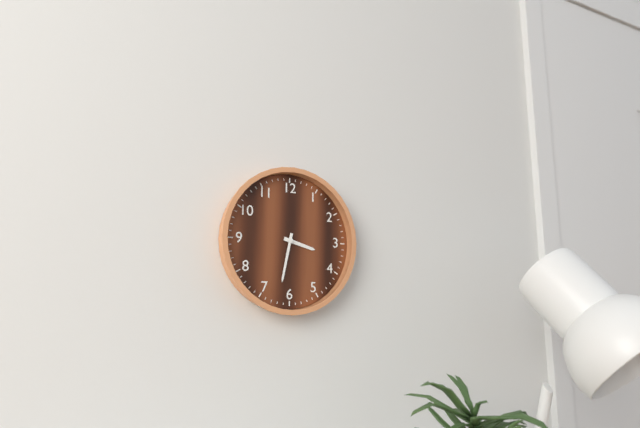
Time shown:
{"hour": 3, "minute": 32}
